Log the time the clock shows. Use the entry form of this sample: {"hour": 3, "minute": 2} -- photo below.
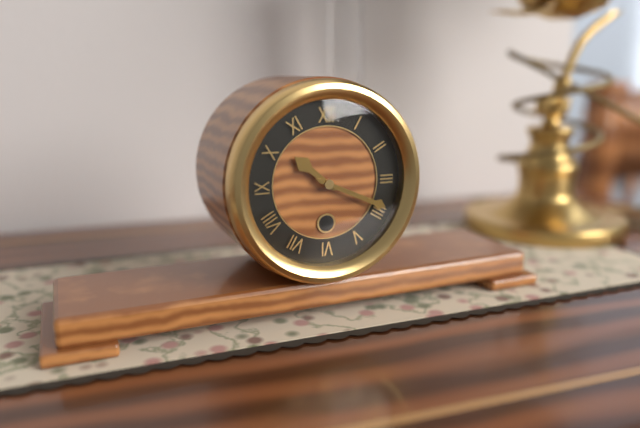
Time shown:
{"hour": 10, "minute": 19}
